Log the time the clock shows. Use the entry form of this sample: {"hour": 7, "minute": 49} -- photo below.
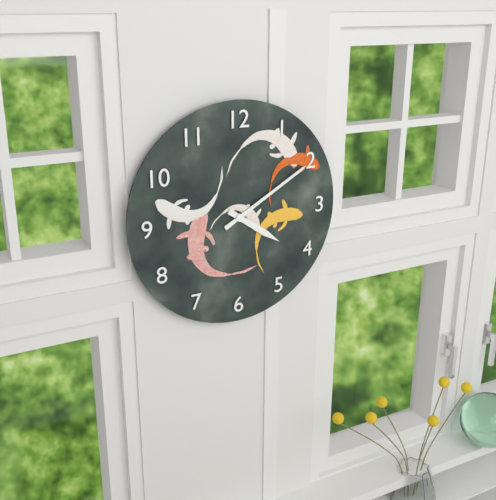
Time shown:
{"hour": 4, "minute": 10}
